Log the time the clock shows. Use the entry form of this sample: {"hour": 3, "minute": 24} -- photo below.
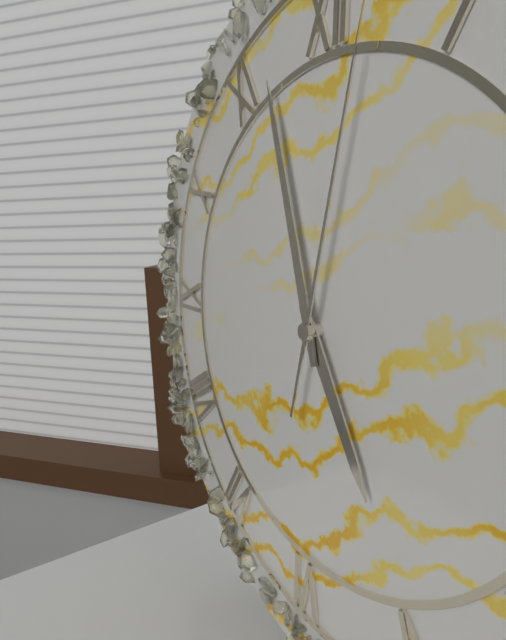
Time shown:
{"hour": 4, "minute": 57}
